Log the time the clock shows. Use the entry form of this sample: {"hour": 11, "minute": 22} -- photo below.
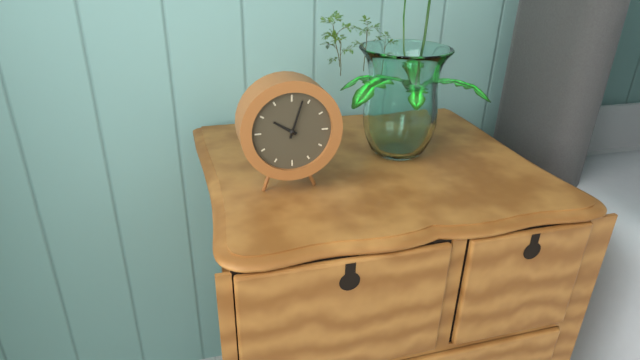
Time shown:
{"hour": 10, "minute": 3}
